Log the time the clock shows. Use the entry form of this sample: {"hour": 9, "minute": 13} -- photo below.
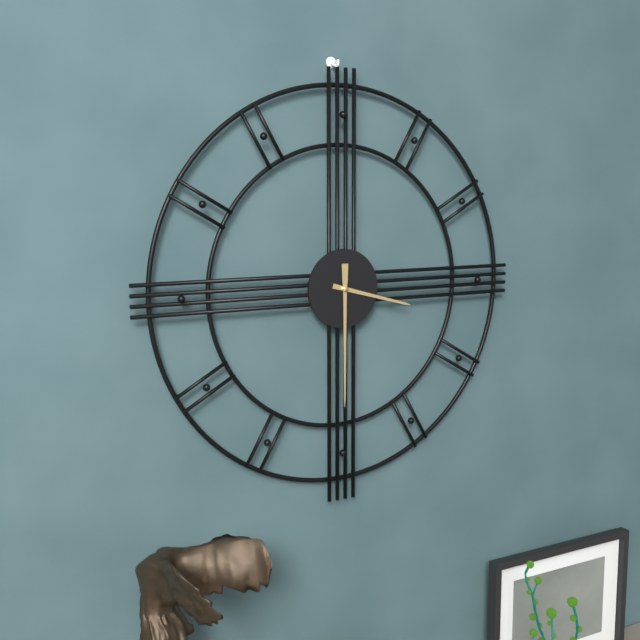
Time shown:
{"hour": 3, "minute": 30}
